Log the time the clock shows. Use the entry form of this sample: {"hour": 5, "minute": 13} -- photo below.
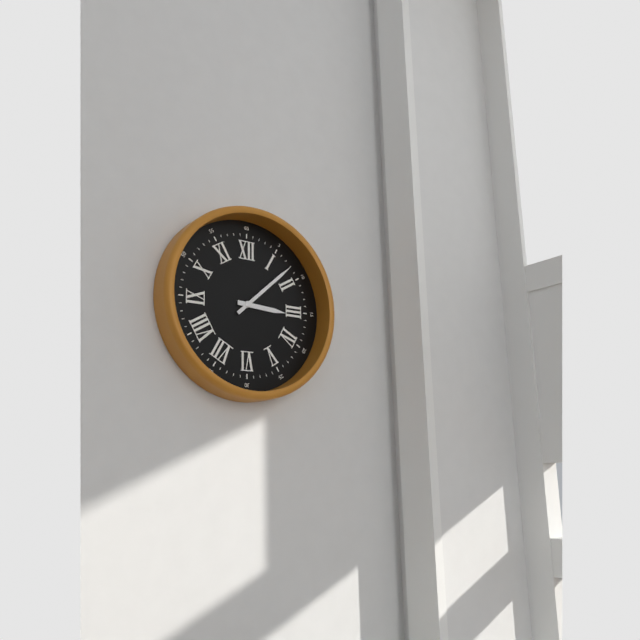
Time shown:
{"hour": 3, "minute": 8}
